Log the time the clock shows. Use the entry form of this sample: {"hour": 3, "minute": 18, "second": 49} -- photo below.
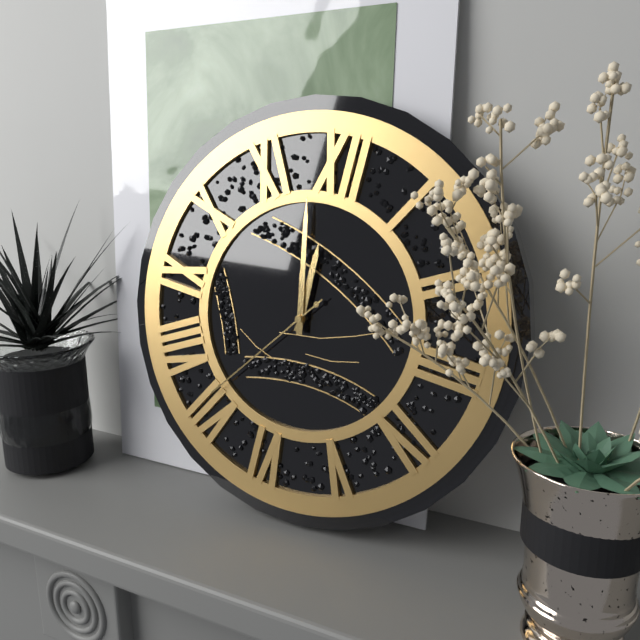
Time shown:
{"hour": 11, "minute": 58, "second": 36}
